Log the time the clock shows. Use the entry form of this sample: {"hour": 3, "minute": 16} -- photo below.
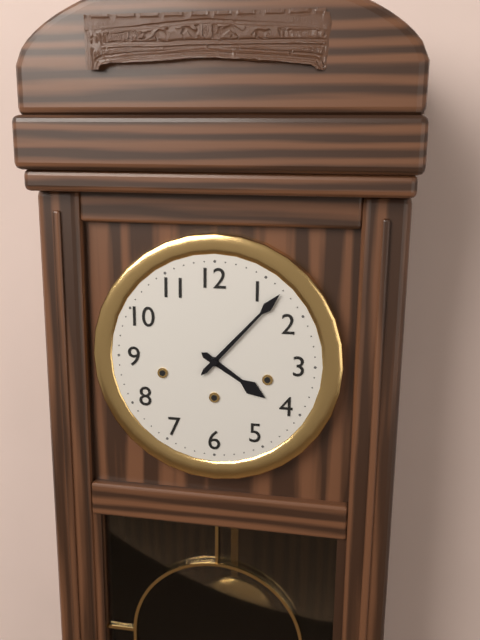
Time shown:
{"hour": 4, "minute": 7}
